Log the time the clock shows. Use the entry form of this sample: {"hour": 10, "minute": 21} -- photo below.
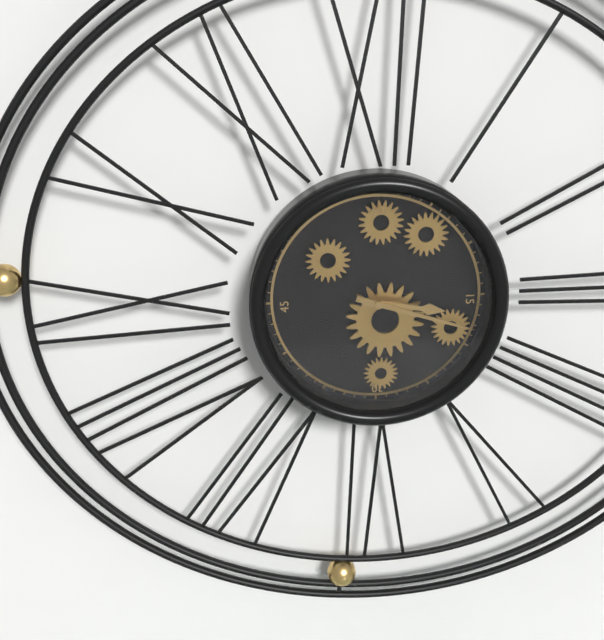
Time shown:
{"hour": 3, "minute": 18}
